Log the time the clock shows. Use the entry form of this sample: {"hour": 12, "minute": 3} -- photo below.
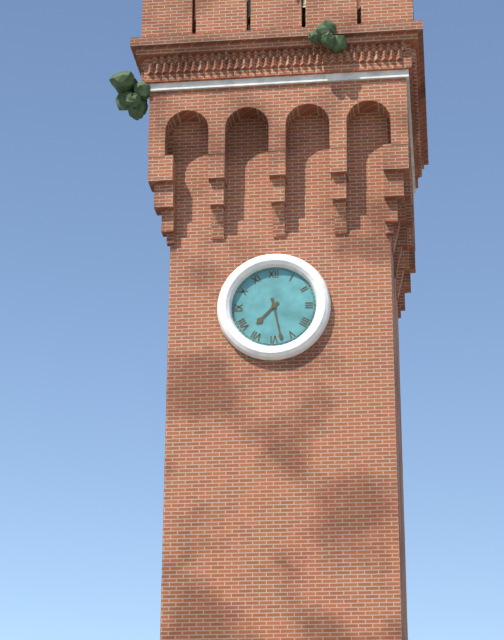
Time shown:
{"hour": 7, "minute": 28}
